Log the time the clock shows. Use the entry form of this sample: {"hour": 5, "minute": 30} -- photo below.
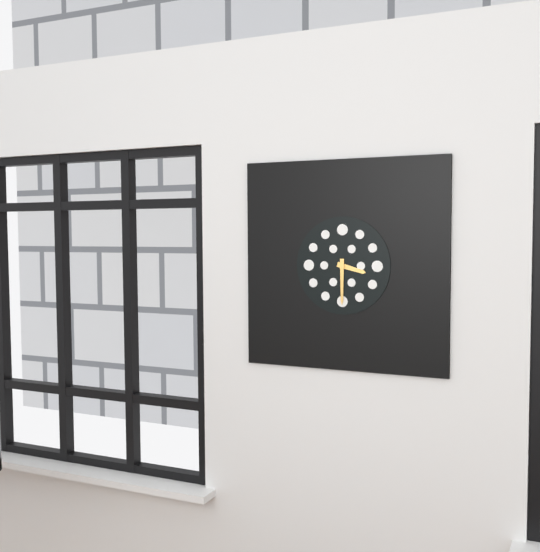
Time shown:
{"hour": 3, "minute": 30}
